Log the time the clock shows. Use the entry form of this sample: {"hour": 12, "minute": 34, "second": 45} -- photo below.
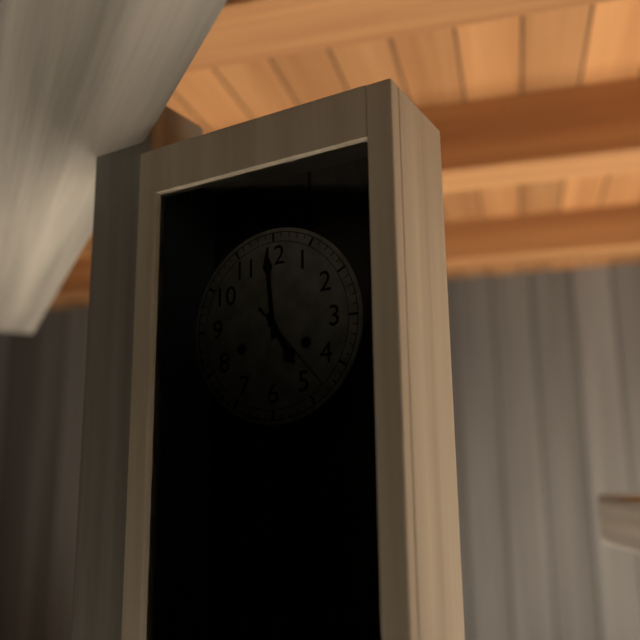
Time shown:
{"hour": 4, "minute": 59, "second": 23}
